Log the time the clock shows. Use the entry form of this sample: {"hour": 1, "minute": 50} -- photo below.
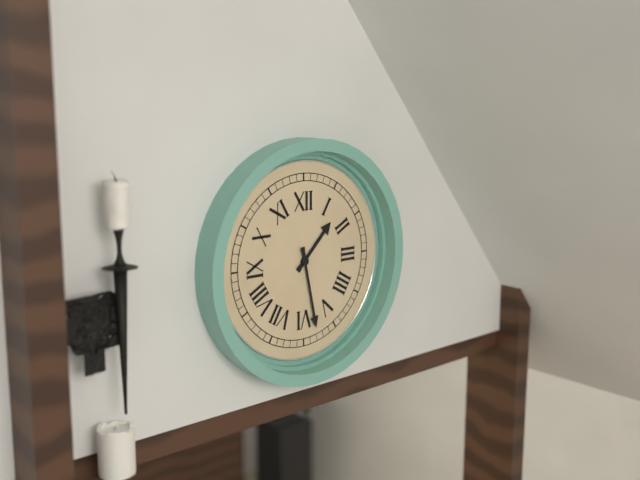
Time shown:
{"hour": 1, "minute": 28}
